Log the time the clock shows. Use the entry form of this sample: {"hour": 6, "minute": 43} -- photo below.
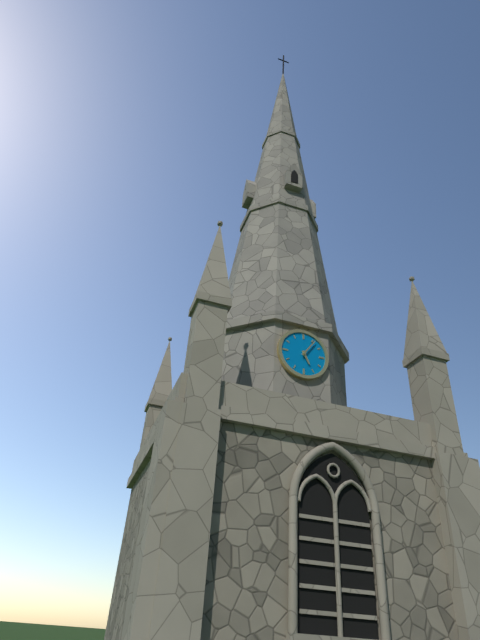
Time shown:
{"hour": 5, "minute": 6}
